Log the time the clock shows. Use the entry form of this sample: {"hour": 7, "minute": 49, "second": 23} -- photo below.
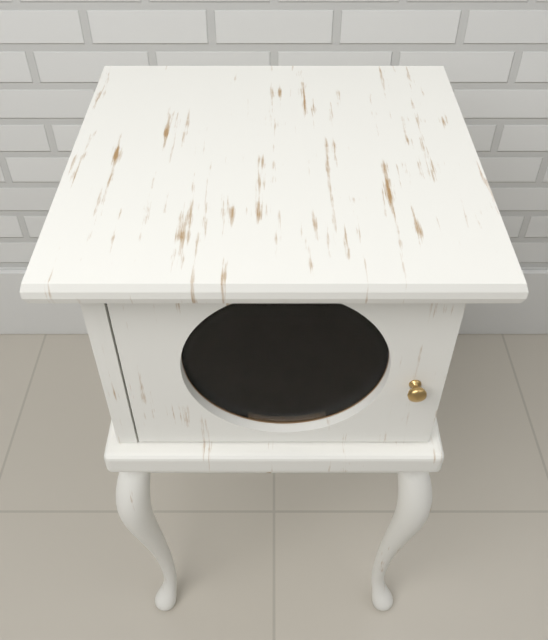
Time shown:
{"hour": 2, "minute": 27, "second": 47}
